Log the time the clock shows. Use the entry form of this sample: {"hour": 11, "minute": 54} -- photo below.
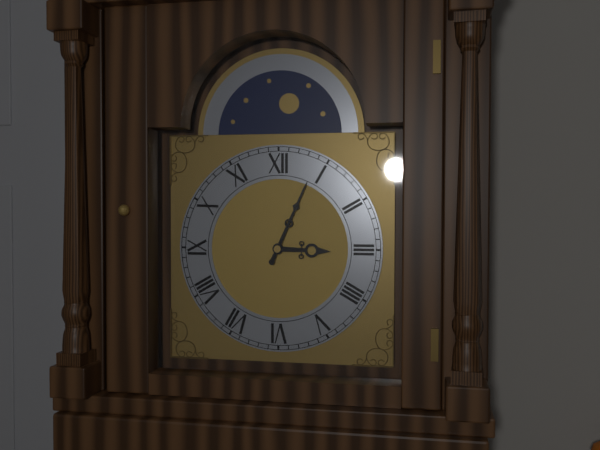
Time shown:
{"hour": 3, "minute": 4}
